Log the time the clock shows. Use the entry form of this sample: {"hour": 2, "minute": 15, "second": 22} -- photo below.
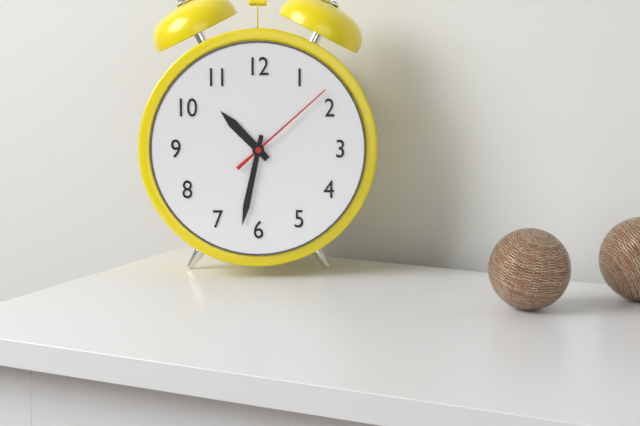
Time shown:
{"hour": 10, "minute": 32, "second": 8}
